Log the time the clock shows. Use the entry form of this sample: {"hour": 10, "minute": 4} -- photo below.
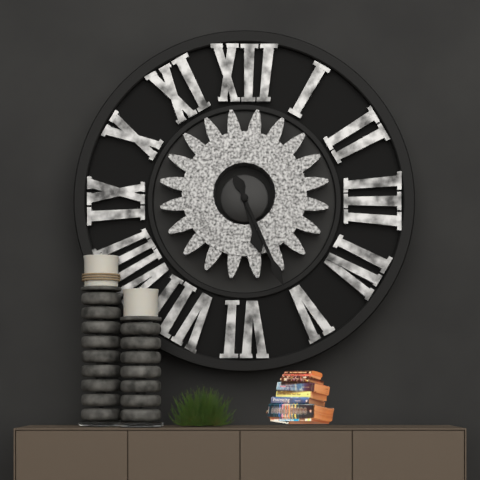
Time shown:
{"hour": 5, "minute": 26}
